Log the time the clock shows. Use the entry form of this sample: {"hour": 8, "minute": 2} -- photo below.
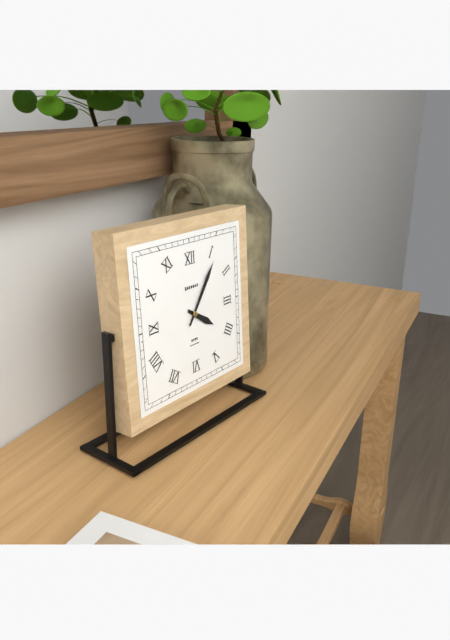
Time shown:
{"hour": 4, "minute": 6}
